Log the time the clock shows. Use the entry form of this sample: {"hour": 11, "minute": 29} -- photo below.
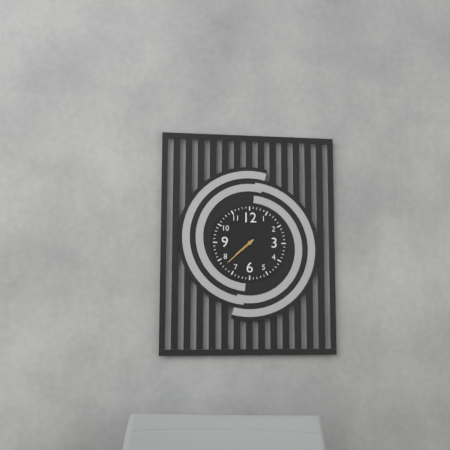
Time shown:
{"hour": 7, "minute": 38}
